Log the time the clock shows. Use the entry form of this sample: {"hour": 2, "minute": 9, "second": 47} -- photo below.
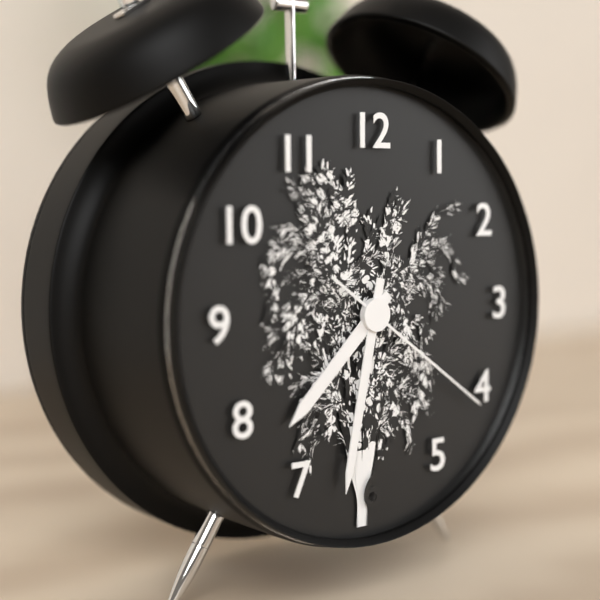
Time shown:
{"hour": 7, "minute": 32, "second": 21}
